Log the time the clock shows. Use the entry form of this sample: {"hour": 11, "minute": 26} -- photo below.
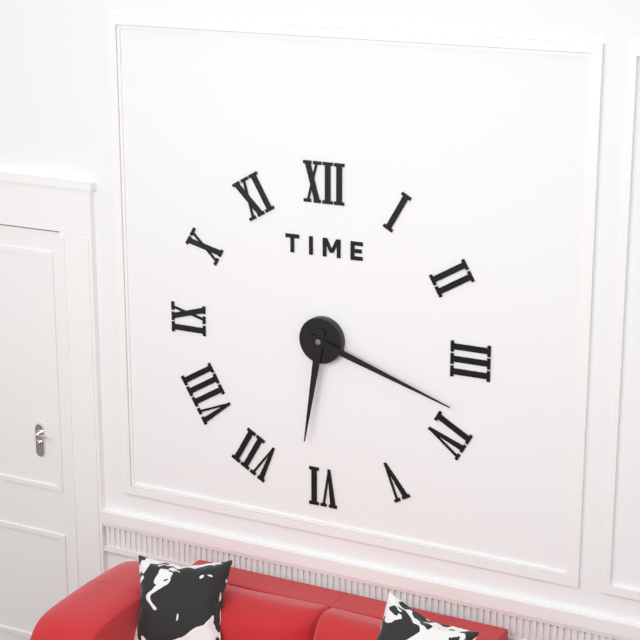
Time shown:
{"hour": 6, "minute": 18}
